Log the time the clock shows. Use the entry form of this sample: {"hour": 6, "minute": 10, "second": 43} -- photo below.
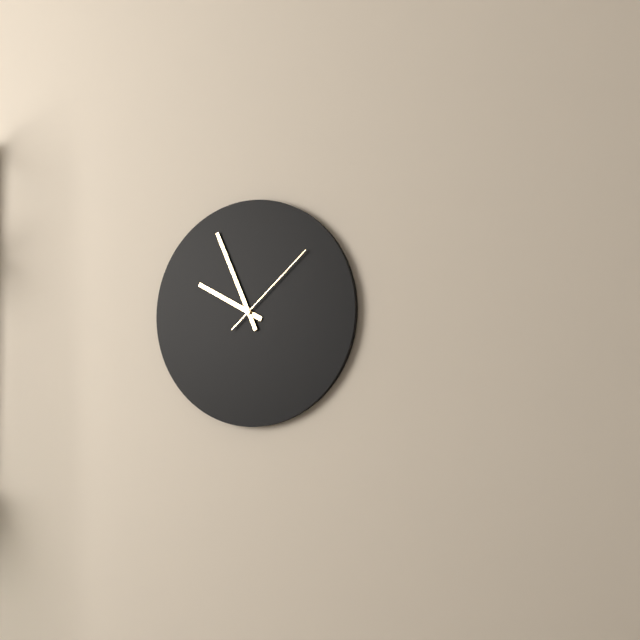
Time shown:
{"hour": 9, "minute": 56, "second": 8}
